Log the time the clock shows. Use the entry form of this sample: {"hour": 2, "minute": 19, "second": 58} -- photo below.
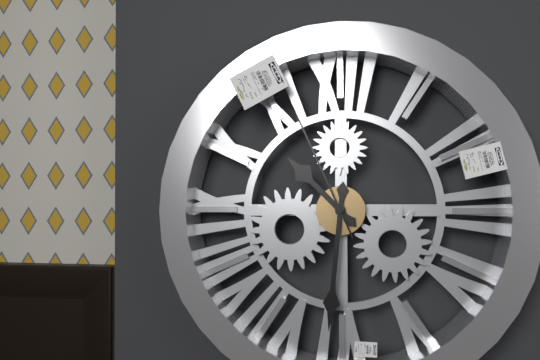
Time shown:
{"hour": 10, "minute": 31, "second": 56}
